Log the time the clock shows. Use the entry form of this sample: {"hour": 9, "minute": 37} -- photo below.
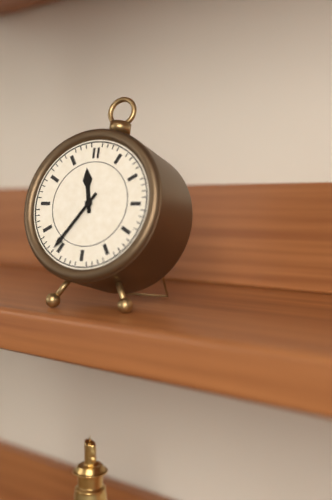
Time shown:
{"hour": 11, "minute": 36}
